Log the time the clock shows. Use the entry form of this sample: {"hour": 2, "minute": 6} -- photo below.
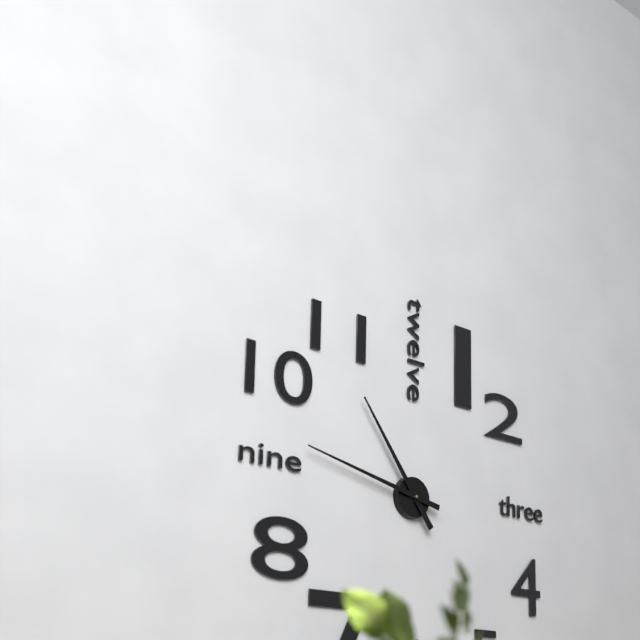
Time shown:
{"hour": 10, "minute": 47}
